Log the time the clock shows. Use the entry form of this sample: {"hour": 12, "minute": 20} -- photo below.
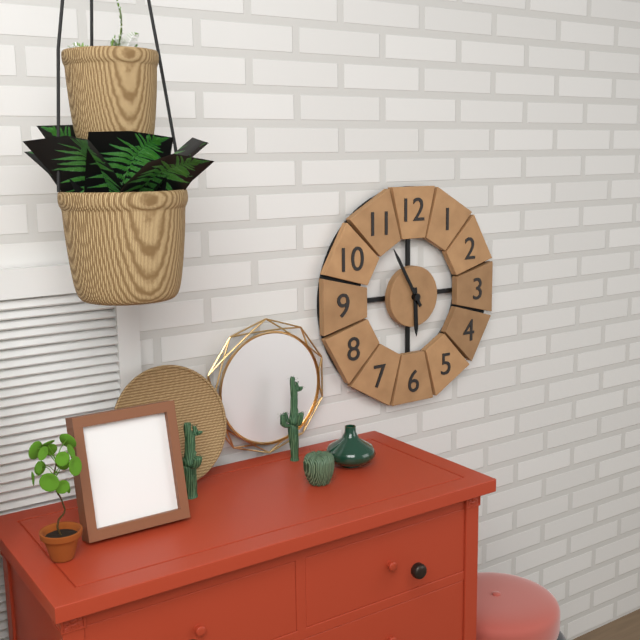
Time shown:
{"hour": 5, "minute": 55}
